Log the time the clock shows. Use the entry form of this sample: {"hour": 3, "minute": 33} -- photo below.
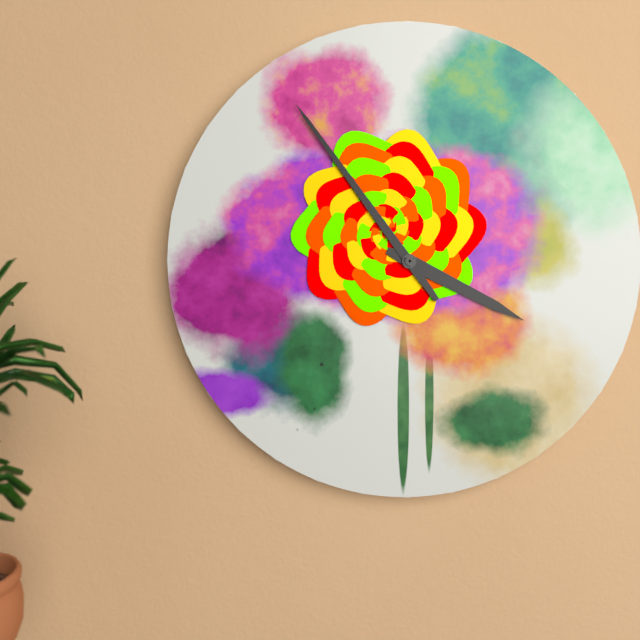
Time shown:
{"hour": 3, "minute": 54}
